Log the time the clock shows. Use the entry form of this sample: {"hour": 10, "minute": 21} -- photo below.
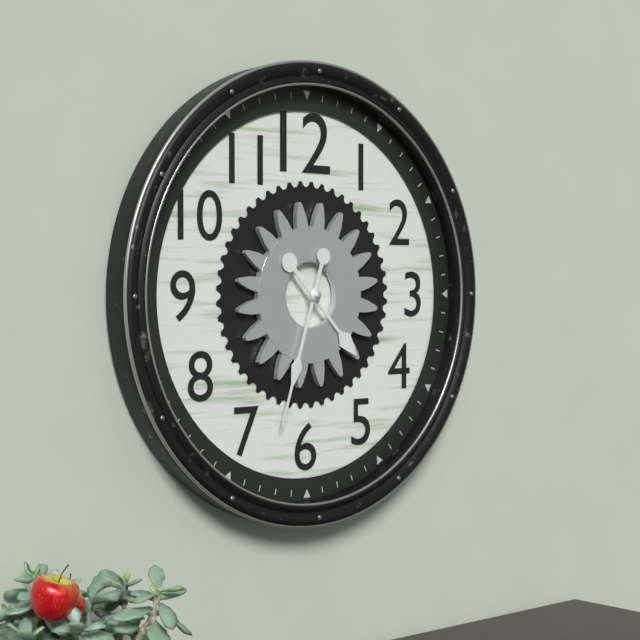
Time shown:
{"hour": 4, "minute": 33}
